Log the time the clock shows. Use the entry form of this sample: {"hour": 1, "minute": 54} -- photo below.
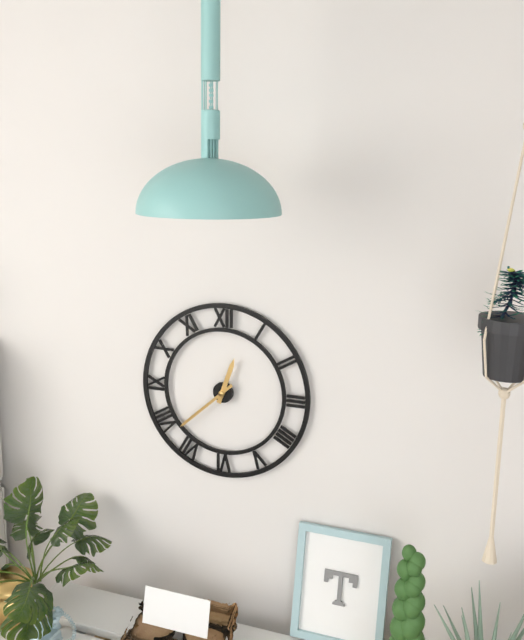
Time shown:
{"hour": 12, "minute": 38}
